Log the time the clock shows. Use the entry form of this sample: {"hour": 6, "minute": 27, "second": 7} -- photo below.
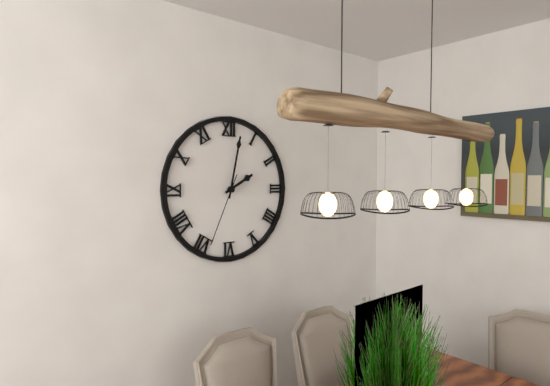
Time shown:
{"hour": 2, "minute": 2, "second": 34}
